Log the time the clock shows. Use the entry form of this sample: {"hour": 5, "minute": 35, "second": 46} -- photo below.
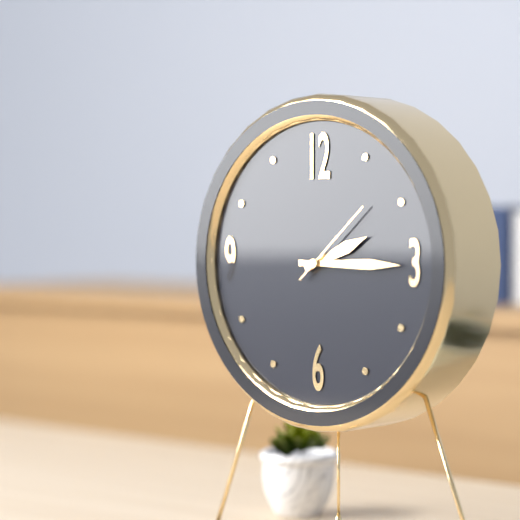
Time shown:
{"hour": 2, "minute": 15, "second": 8}
